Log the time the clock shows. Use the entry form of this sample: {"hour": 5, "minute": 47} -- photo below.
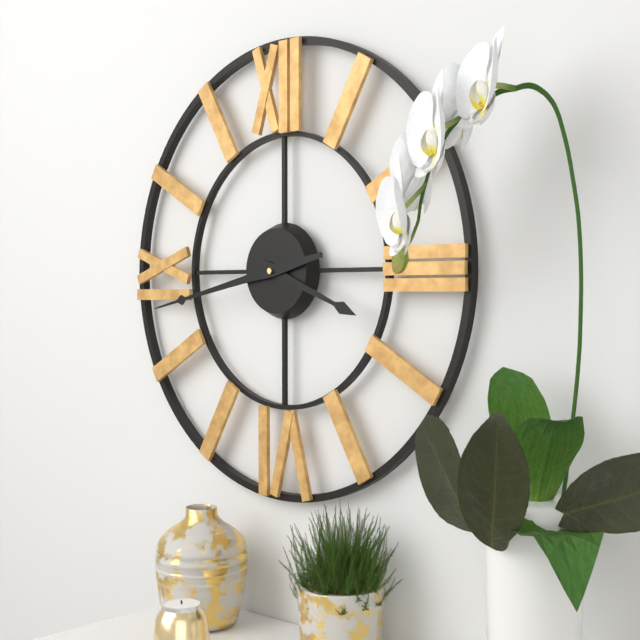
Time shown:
{"hour": 3, "minute": 43}
